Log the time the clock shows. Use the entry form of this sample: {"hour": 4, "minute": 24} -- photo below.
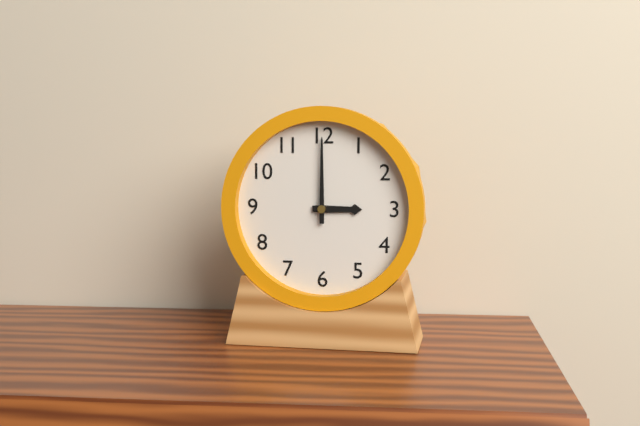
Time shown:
{"hour": 3, "minute": 0}
